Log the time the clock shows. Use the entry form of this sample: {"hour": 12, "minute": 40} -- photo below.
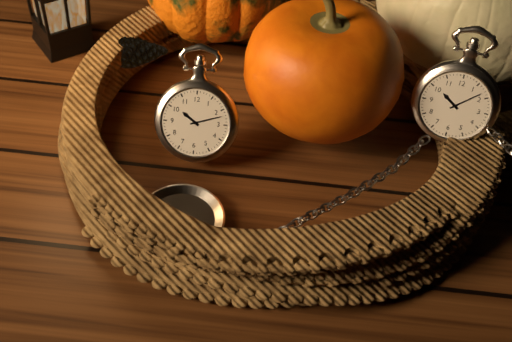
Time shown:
{"hour": 10, "minute": 12}
